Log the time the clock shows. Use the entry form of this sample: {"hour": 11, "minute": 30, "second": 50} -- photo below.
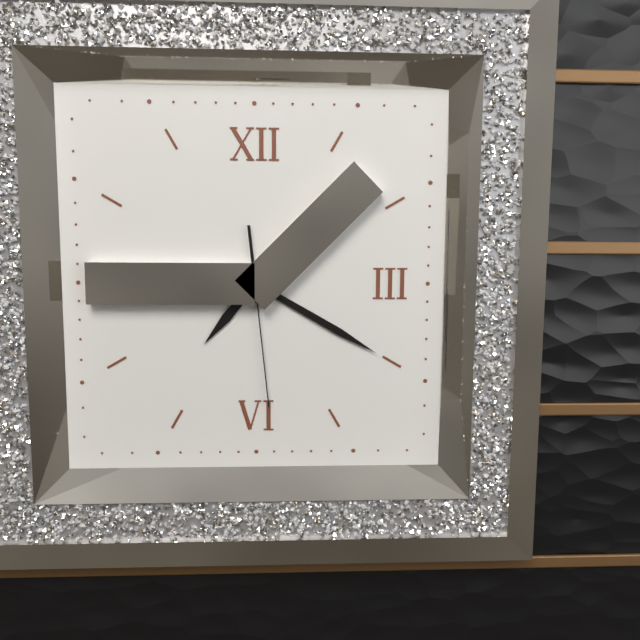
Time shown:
{"hour": 7, "minute": 20, "second": 29}
